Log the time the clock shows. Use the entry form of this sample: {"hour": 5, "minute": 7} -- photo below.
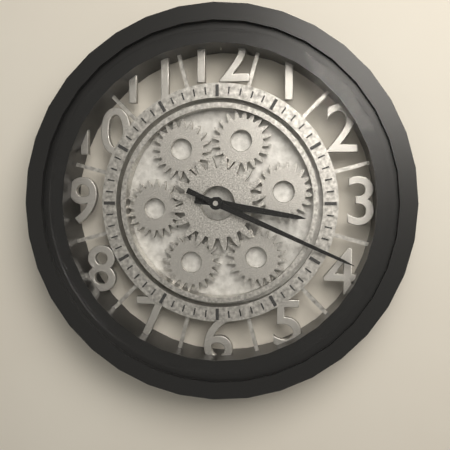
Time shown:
{"hour": 3, "minute": 19}
